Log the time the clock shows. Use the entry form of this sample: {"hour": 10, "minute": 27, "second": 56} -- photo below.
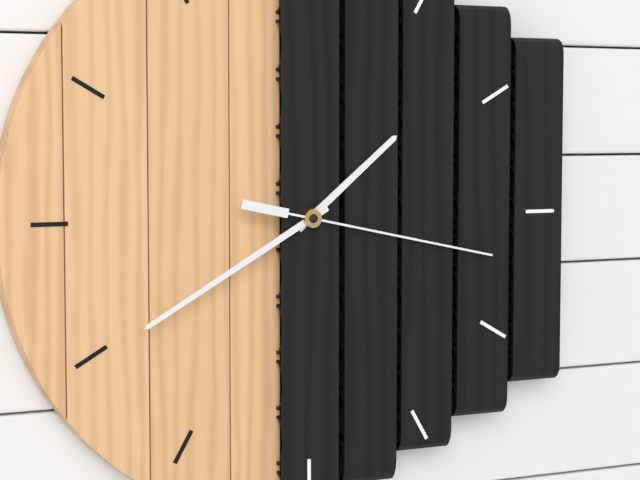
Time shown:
{"hour": 1, "minute": 40, "second": 17}
